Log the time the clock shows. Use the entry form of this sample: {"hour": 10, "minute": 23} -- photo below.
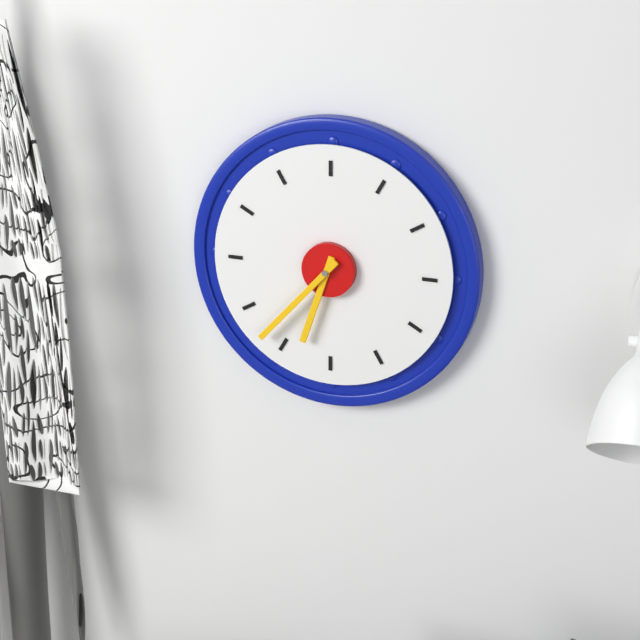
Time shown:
{"hour": 6, "minute": 37}
